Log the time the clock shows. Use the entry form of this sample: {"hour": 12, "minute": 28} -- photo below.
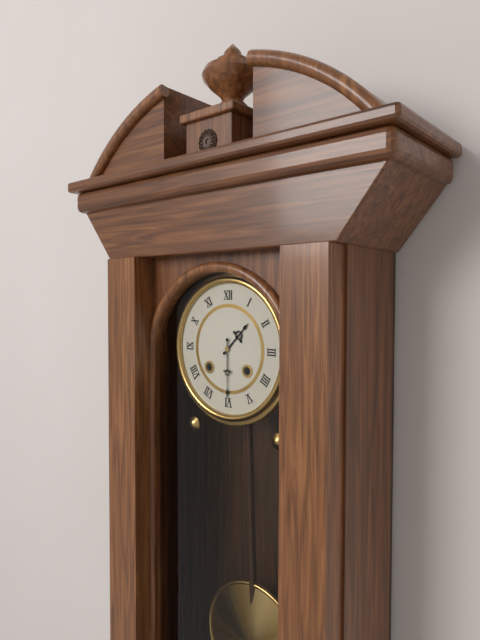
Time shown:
{"hour": 1, "minute": 30}
